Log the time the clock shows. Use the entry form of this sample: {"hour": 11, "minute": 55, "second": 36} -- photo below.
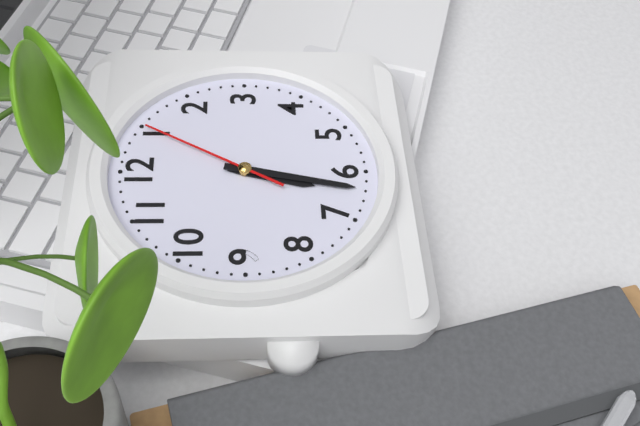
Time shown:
{"hour": 6, "minute": 32, "second": 5}
